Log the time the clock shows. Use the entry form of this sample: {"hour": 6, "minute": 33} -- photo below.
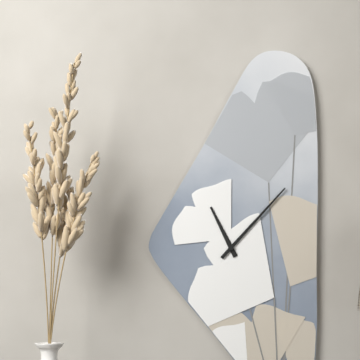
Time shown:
{"hour": 11, "minute": 7}
